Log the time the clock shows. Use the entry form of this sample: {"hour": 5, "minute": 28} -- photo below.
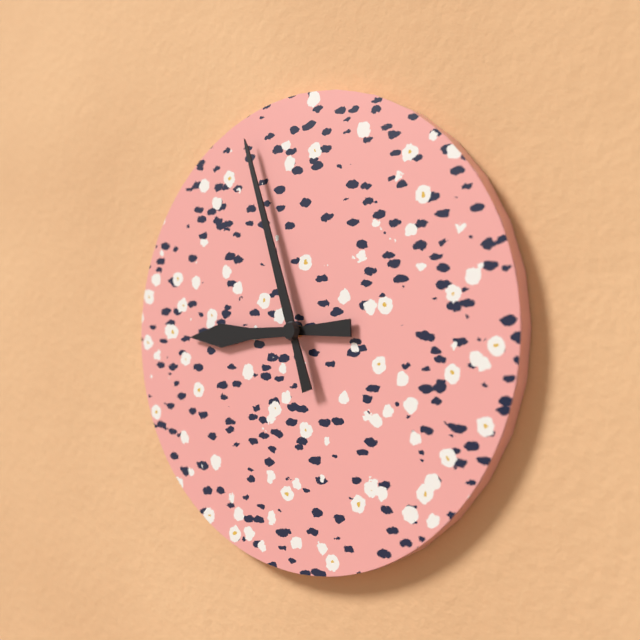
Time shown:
{"hour": 8, "minute": 57}
